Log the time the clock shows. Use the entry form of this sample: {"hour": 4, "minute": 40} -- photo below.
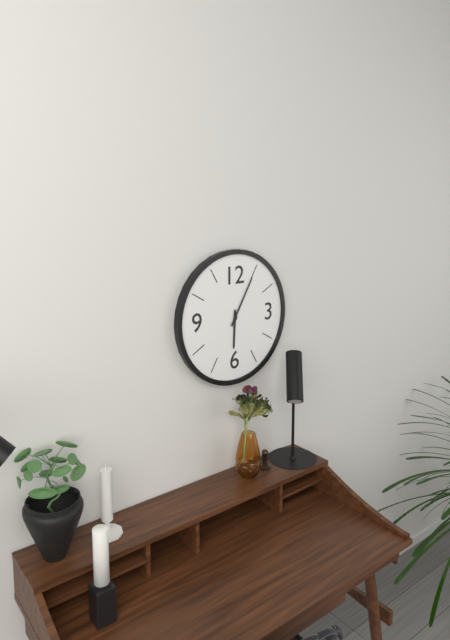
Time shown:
{"hour": 6, "minute": 5}
